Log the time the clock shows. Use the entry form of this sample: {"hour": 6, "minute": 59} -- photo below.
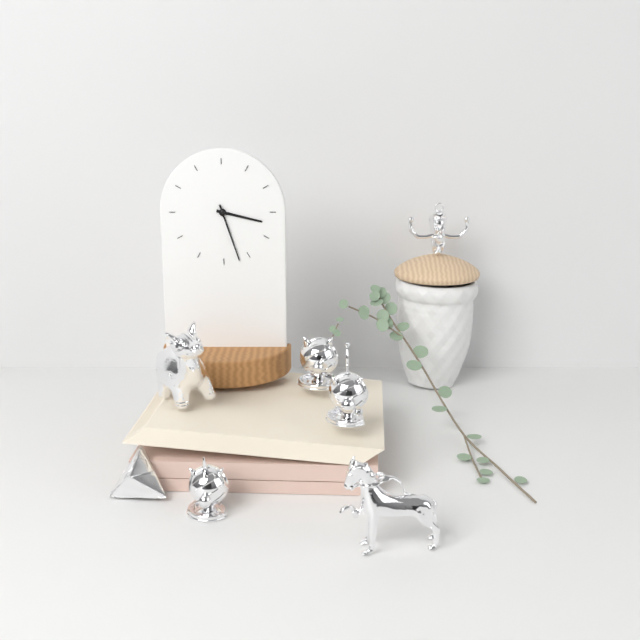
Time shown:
{"hour": 3, "minute": 27}
